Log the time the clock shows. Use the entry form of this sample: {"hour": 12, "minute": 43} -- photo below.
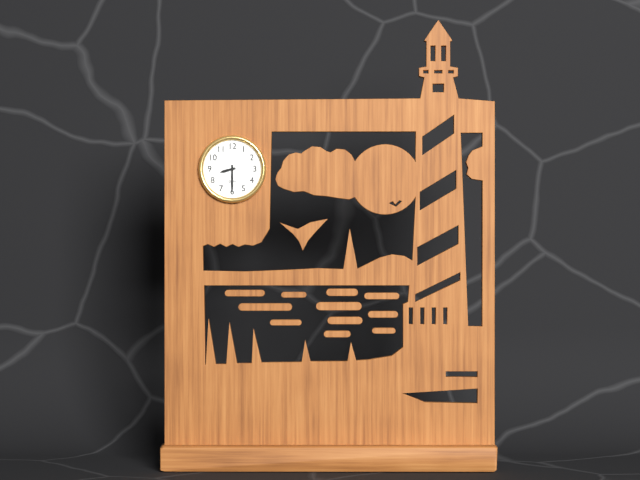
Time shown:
{"hour": 8, "minute": 30}
